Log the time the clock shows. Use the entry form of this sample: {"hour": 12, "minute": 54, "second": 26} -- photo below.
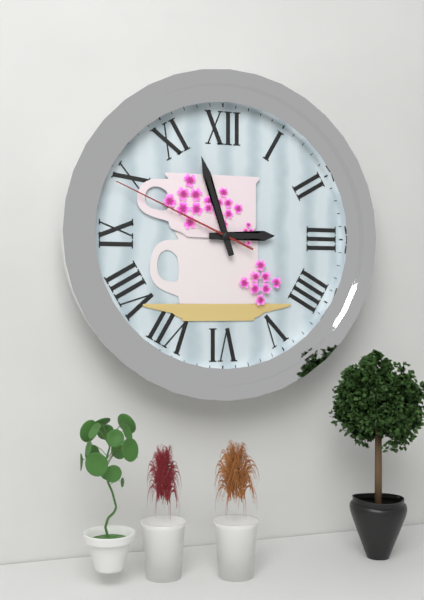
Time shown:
{"hour": 2, "minute": 57, "second": 49}
